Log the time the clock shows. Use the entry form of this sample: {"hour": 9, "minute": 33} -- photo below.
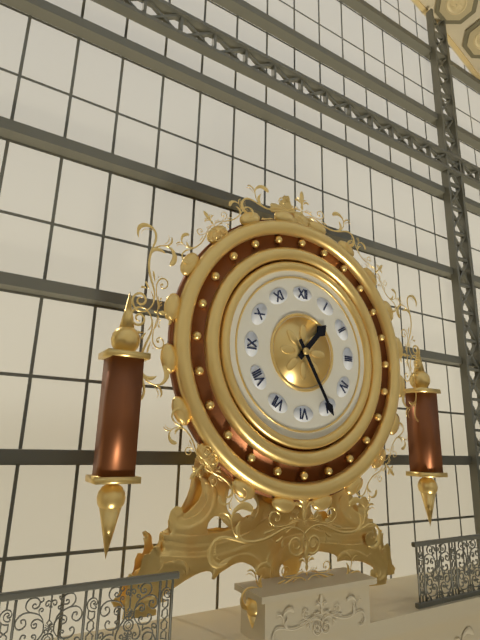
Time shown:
{"hour": 1, "minute": 25}
